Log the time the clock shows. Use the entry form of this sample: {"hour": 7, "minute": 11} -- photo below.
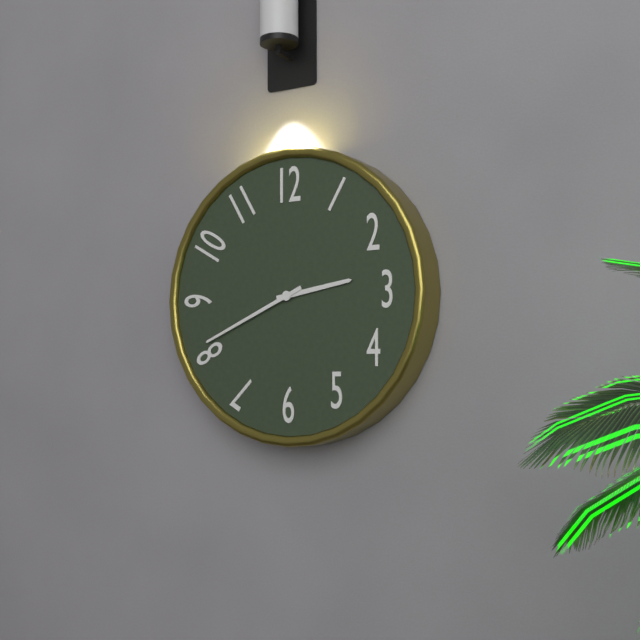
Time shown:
{"hour": 2, "minute": 41}
